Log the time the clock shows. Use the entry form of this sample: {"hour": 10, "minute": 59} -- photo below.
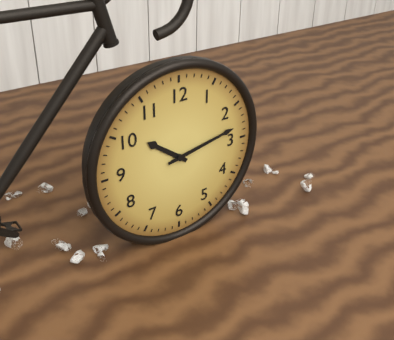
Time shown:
{"hour": 10, "minute": 13}
